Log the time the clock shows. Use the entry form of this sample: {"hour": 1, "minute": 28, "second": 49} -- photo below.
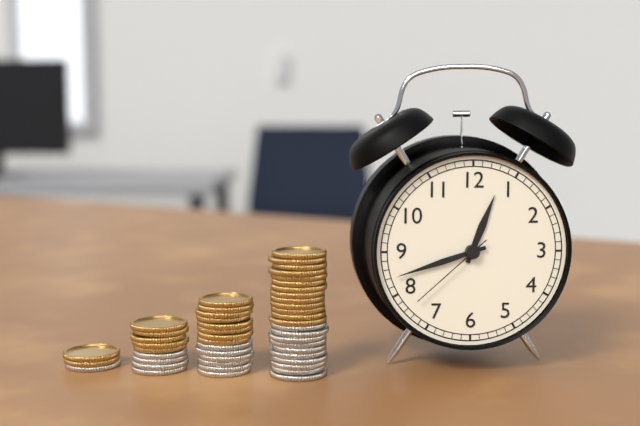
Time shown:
{"hour": 12, "minute": 42, "second": 38}
